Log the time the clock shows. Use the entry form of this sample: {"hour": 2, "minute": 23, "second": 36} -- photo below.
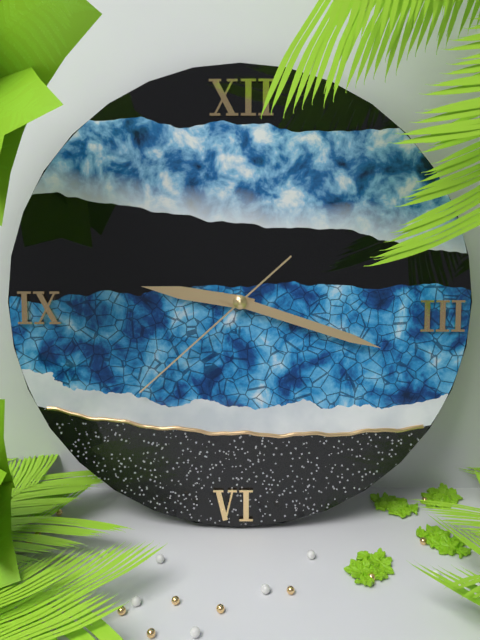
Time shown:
{"hour": 9, "minute": 18, "second": 38}
